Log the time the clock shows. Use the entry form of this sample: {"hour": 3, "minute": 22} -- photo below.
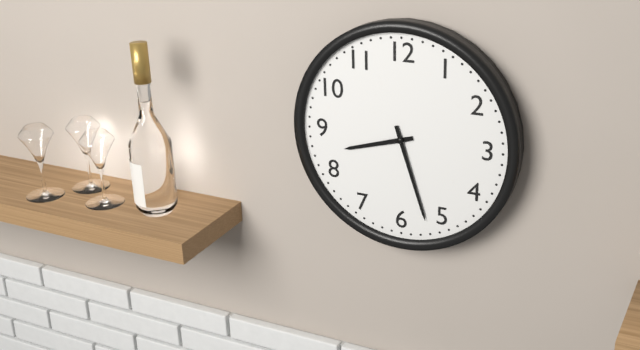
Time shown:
{"hour": 8, "minute": 27}
